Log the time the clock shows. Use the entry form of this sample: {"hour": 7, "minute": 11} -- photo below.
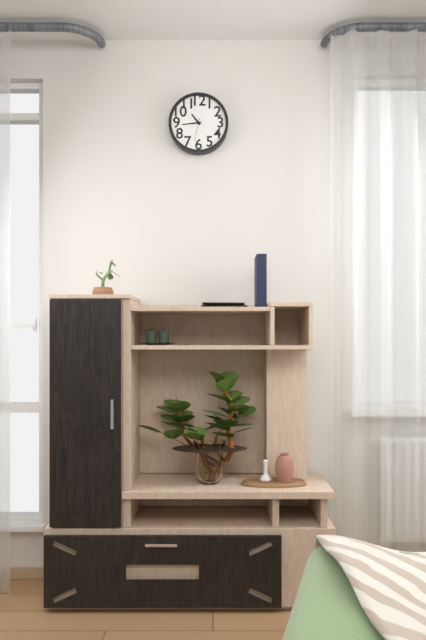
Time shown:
{"hour": 10, "minute": 44}
